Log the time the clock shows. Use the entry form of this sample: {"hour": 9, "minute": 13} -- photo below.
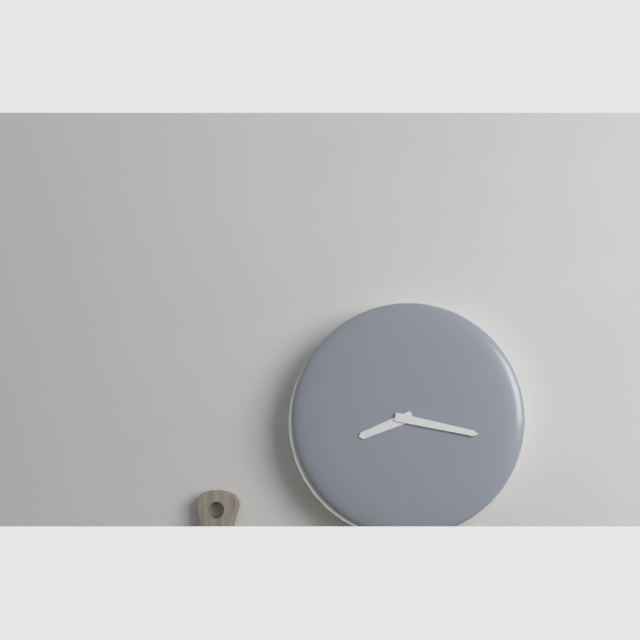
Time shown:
{"hour": 8, "minute": 17}
